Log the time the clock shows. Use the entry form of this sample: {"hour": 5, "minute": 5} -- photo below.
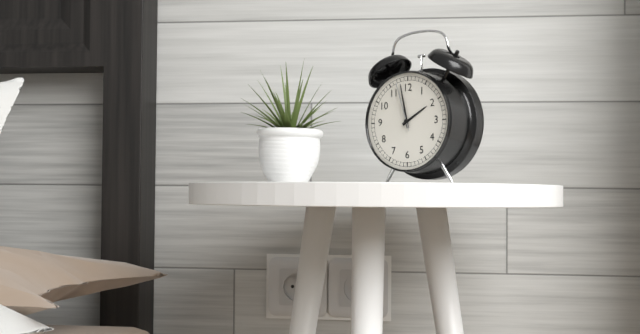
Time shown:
{"hour": 1, "minute": 58}
